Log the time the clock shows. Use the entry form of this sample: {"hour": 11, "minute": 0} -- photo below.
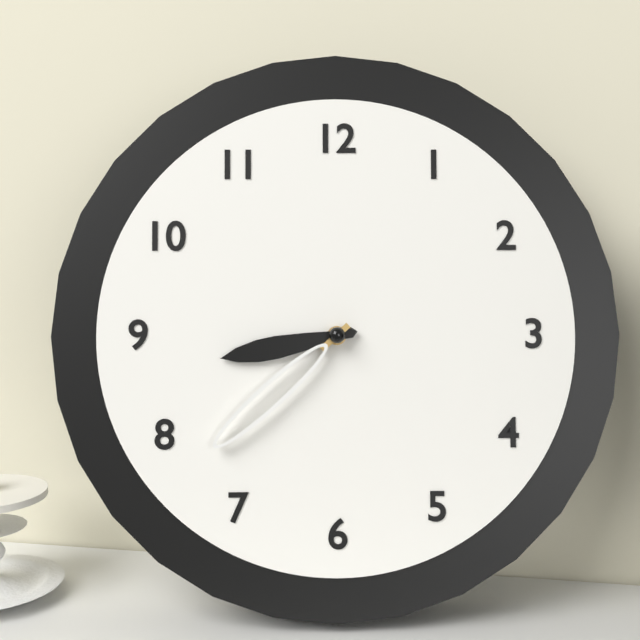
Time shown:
{"hour": 8, "minute": 38}
